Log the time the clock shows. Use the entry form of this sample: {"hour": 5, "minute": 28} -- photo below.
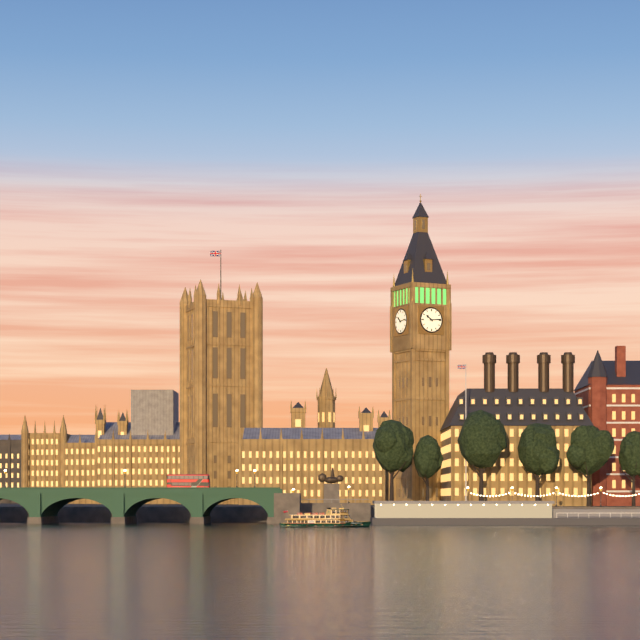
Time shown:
{"hour": 10, "minute": 14}
